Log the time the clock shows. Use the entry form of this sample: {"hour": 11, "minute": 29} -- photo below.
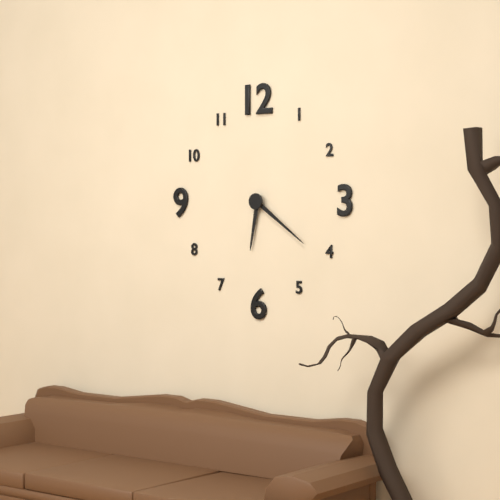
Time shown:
{"hour": 6, "minute": 21}
